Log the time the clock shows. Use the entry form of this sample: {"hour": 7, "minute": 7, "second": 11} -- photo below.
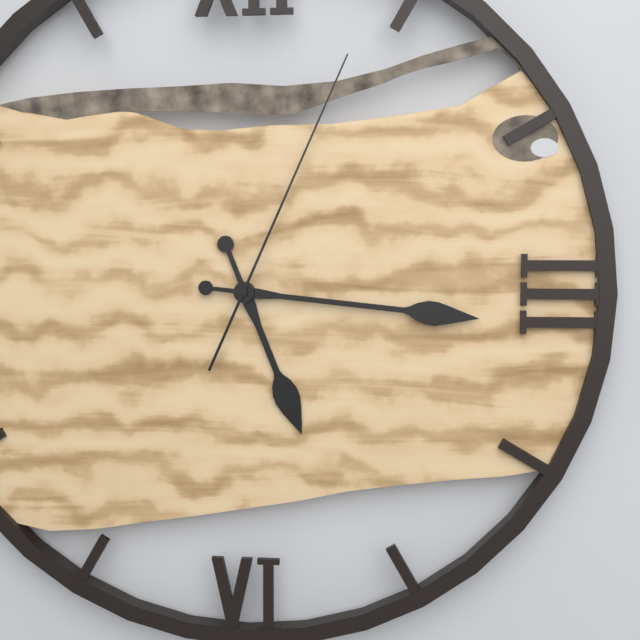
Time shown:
{"hour": 5, "minute": 16, "second": 4}
